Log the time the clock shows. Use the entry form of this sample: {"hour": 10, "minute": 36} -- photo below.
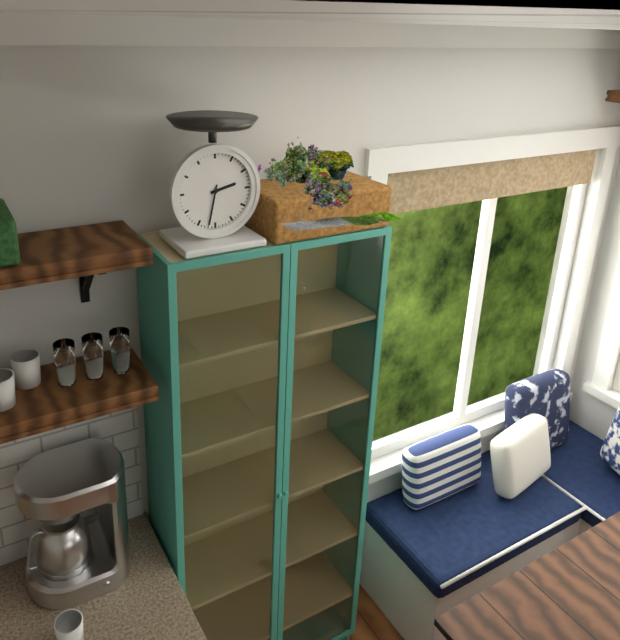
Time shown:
{"hour": 2, "minute": 32}
